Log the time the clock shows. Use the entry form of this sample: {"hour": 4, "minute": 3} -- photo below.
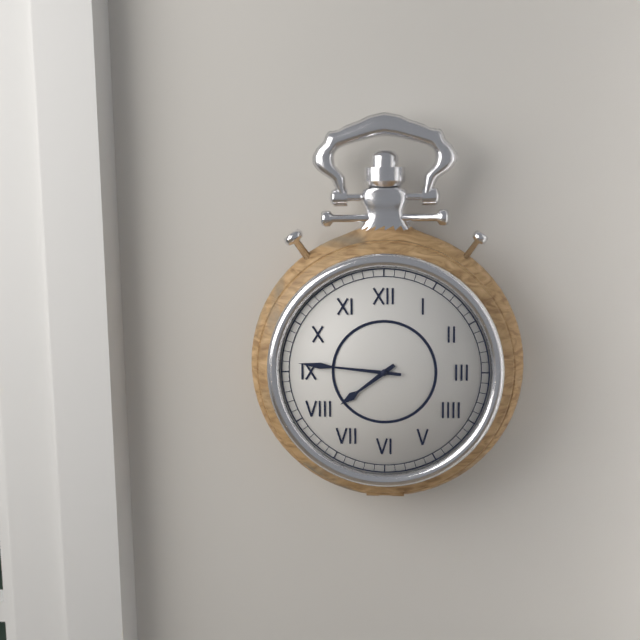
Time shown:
{"hour": 7, "minute": 46}
